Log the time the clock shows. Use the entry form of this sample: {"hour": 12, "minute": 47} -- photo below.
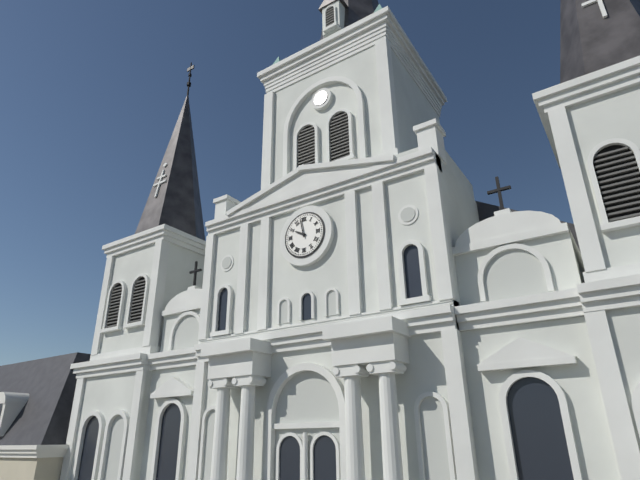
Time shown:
{"hour": 9, "minute": 58}
